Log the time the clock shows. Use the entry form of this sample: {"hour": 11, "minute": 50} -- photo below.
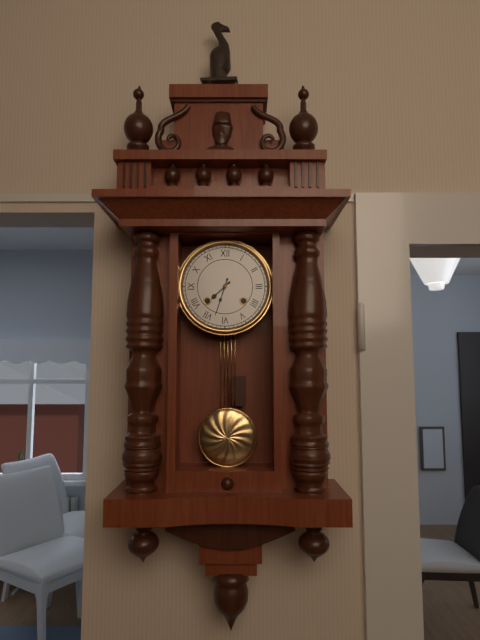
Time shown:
{"hour": 7, "minute": 33}
